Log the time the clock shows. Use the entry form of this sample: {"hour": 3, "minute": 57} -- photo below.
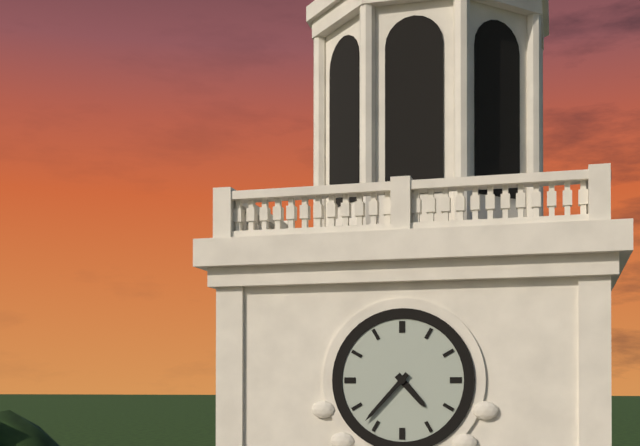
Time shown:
{"hour": 4, "minute": 37}
